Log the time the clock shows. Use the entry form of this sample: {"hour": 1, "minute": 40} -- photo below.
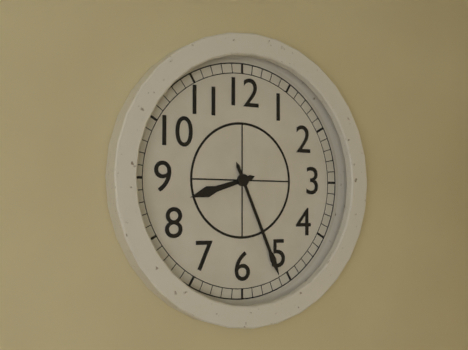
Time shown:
{"hour": 8, "minute": 26}
